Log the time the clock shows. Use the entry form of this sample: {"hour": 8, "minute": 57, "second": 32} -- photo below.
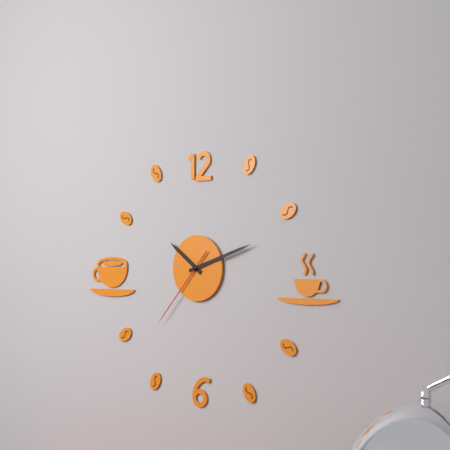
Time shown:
{"hour": 10, "minute": 12, "second": 37}
